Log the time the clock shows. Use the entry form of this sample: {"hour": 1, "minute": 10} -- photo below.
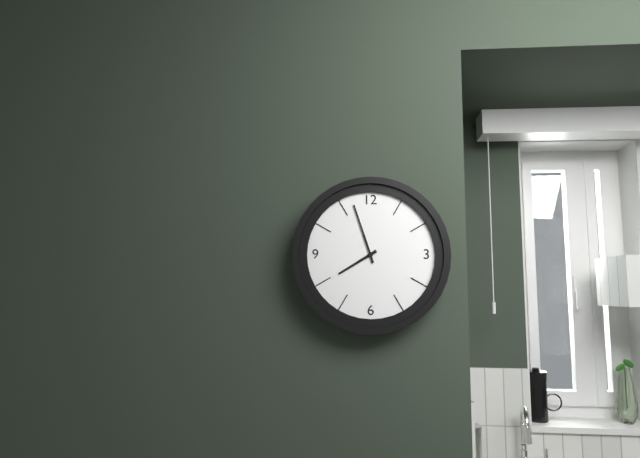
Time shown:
{"hour": 7, "minute": 57}
